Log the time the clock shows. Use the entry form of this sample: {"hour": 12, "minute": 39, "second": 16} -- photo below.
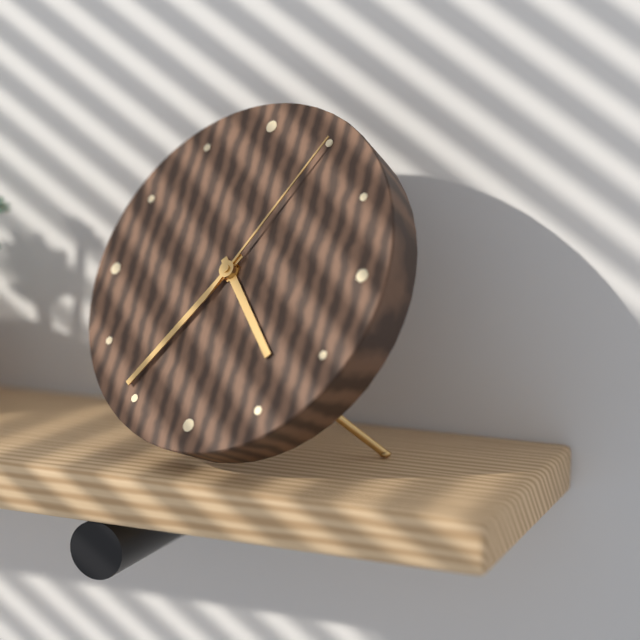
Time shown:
{"hour": 4, "minute": 36, "second": 5}
